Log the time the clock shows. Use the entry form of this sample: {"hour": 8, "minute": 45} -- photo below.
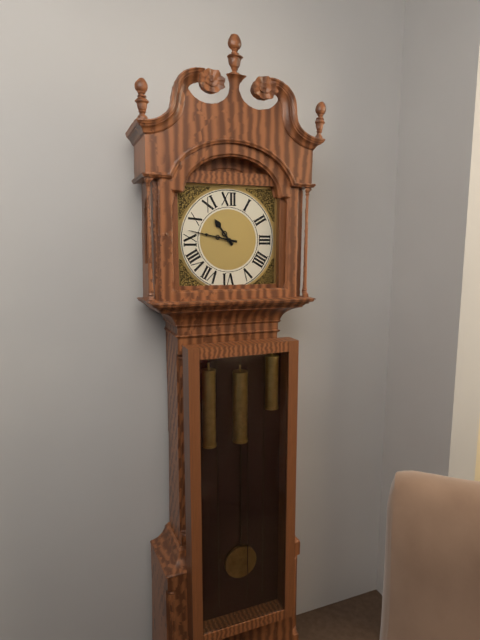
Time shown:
{"hour": 10, "minute": 47}
